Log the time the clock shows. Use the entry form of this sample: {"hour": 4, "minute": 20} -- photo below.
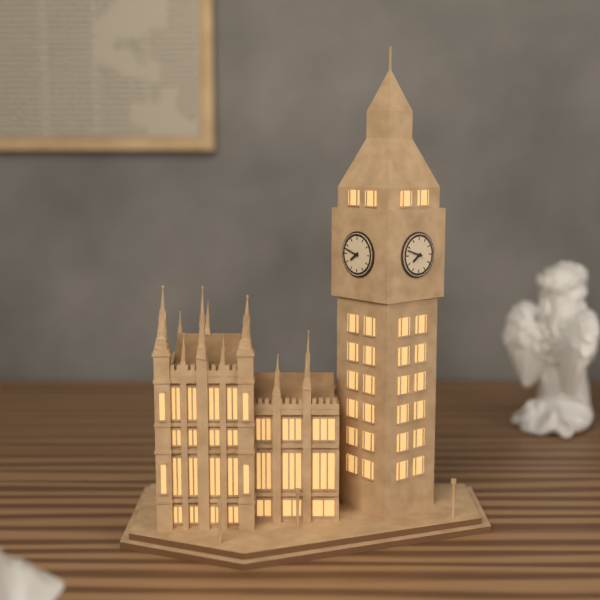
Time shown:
{"hour": 7, "minute": 48}
